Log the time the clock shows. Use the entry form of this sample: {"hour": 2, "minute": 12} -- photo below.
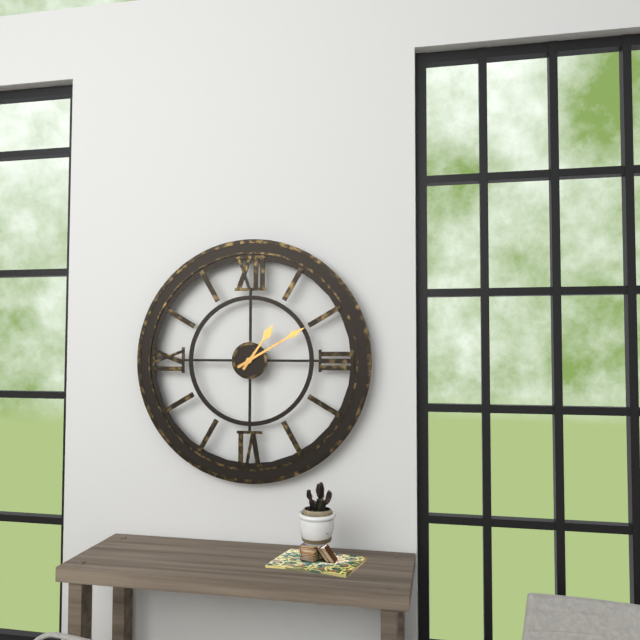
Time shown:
{"hour": 1, "minute": 10}
